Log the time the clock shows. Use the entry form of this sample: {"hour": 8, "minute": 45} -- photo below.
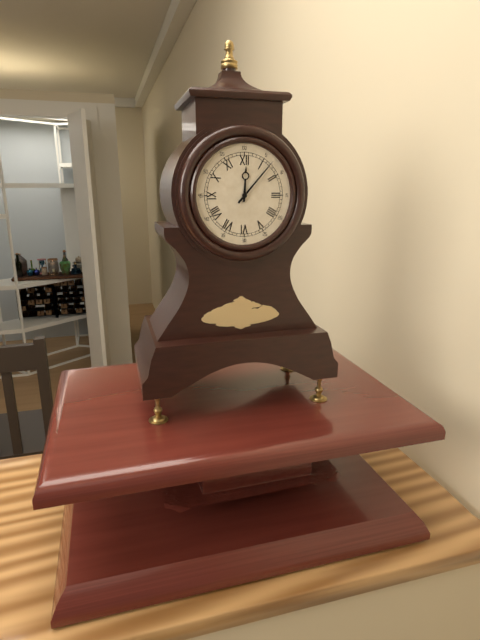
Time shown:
{"hour": 12, "minute": 7}
